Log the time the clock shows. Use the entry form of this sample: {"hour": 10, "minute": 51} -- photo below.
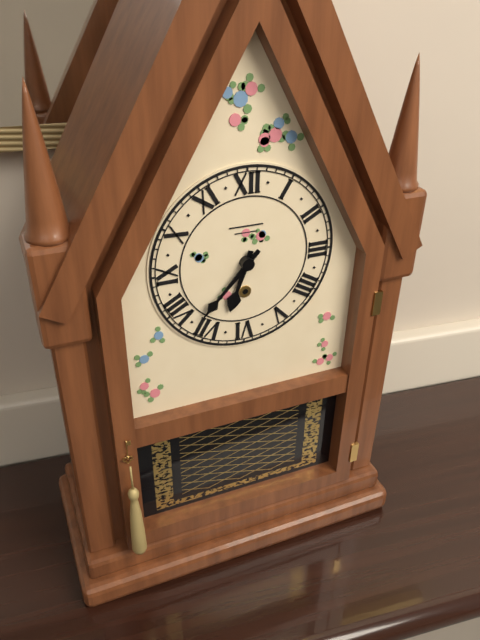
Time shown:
{"hour": 6, "minute": 37}
